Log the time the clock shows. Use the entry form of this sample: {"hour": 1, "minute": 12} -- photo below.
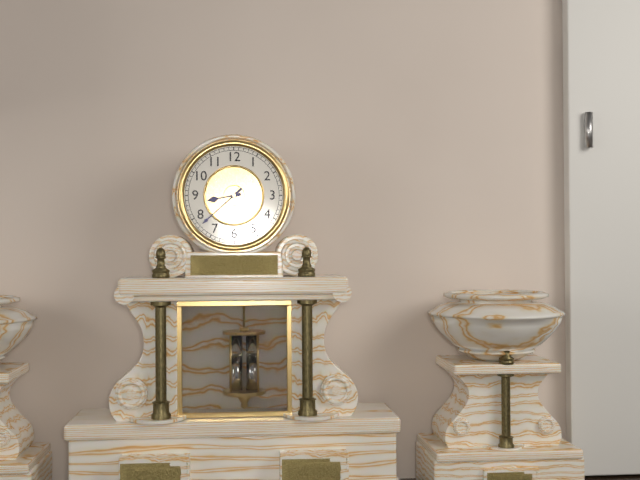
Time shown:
{"hour": 8, "minute": 38}
